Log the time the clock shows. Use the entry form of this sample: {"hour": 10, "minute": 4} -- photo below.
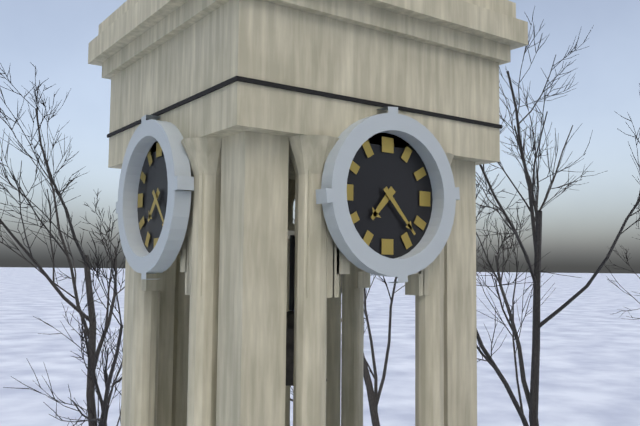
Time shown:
{"hour": 7, "minute": 23}
